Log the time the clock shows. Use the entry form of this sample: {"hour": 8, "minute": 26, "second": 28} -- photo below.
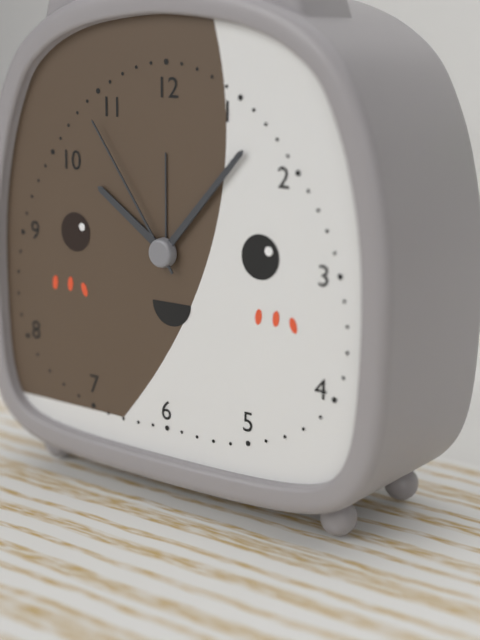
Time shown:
{"hour": 10, "minute": 7, "second": 54}
